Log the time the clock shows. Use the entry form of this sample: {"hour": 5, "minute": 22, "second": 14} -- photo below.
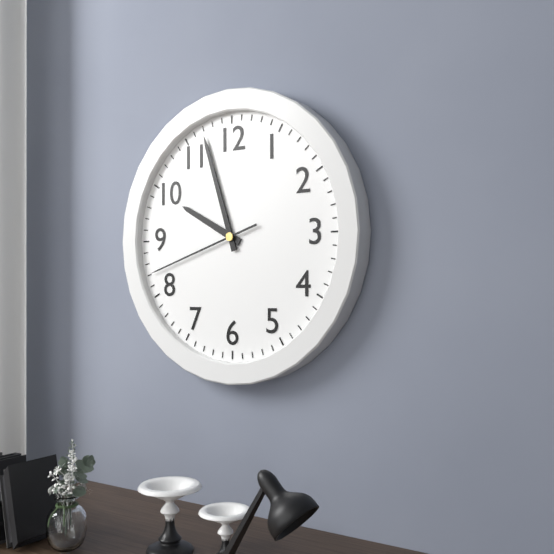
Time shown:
{"hour": 9, "minute": 57, "second": 42}
